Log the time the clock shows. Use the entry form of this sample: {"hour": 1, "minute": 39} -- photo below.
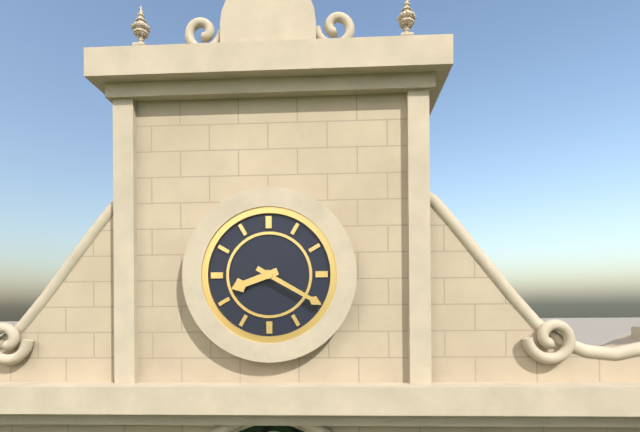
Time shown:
{"hour": 8, "minute": 20}
